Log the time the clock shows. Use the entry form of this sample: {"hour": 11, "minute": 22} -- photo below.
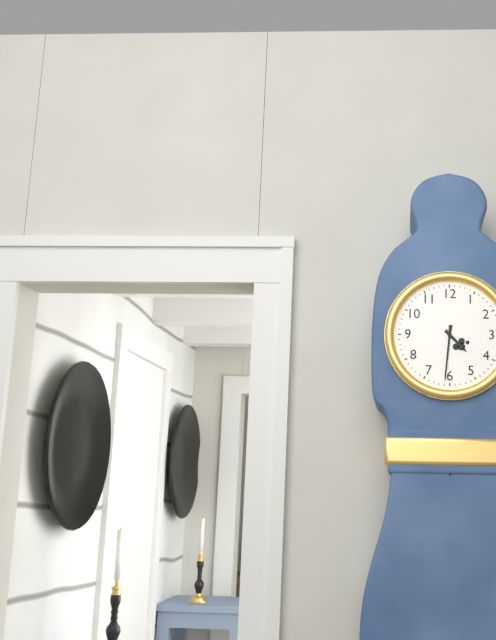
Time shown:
{"hour": 4, "minute": 31}
